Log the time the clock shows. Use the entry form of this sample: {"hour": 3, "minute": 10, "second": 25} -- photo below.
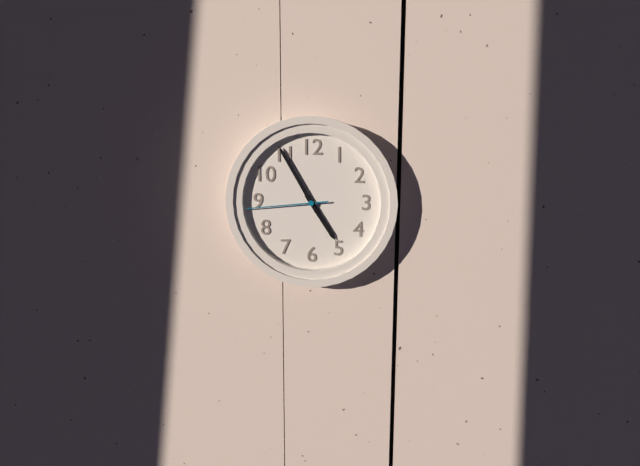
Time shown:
{"hour": 4, "minute": 55, "second": 44}
